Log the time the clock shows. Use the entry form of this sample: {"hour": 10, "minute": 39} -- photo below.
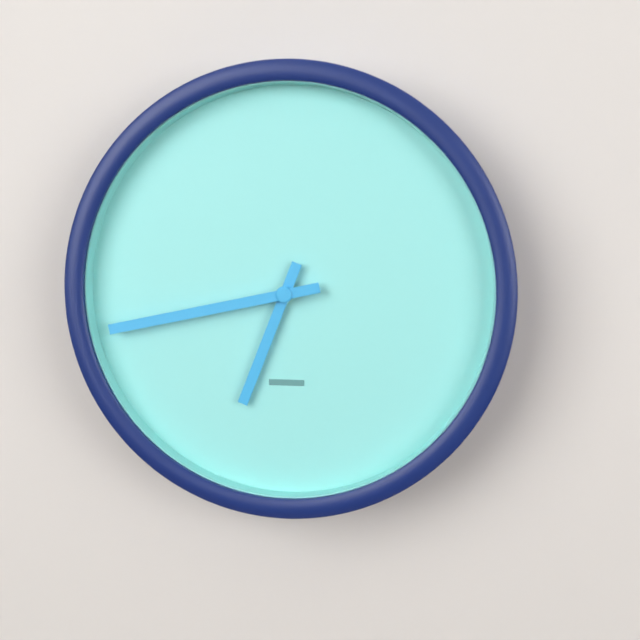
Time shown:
{"hour": 6, "minute": 43}
